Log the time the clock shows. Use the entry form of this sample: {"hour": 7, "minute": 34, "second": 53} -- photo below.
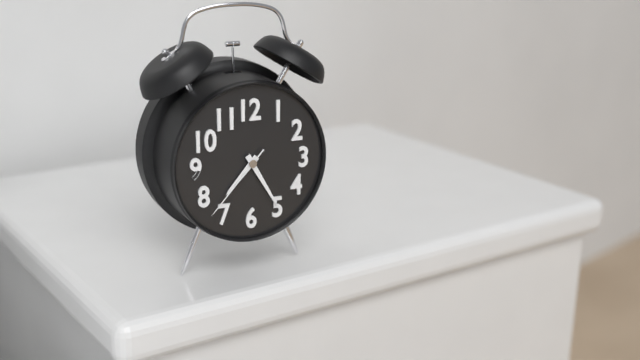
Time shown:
{"hour": 7, "minute": 25, "second": 37}
